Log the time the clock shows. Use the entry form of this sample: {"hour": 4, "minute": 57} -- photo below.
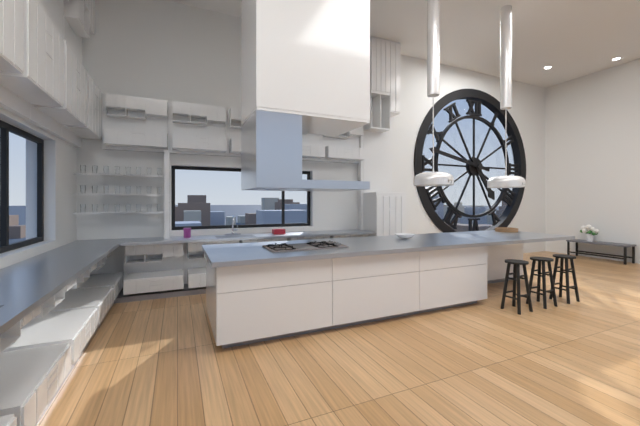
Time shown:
{"hour": 4, "minute": 47}
